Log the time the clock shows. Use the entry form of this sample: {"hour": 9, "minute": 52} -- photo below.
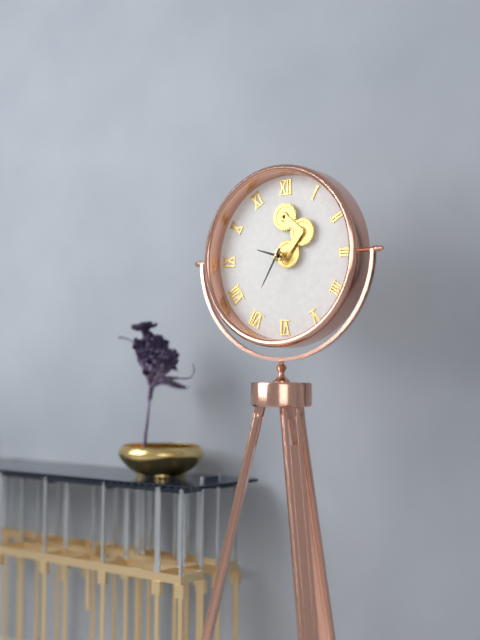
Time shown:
{"hour": 9, "minute": 35}
